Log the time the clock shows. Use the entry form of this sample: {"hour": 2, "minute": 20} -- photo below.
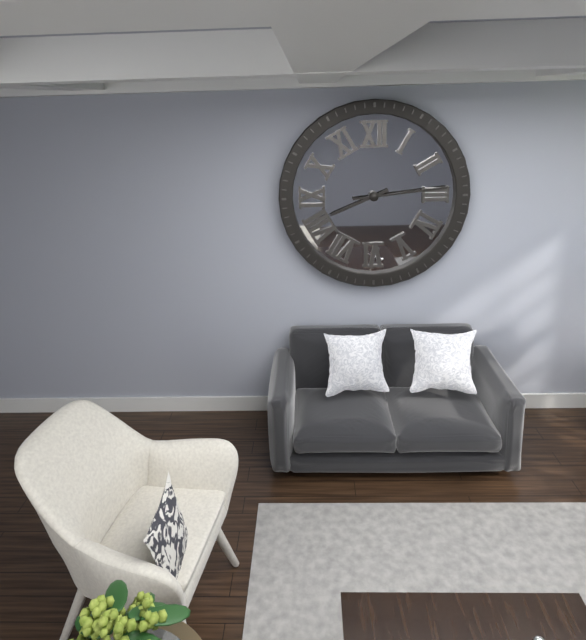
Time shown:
{"hour": 8, "minute": 14}
